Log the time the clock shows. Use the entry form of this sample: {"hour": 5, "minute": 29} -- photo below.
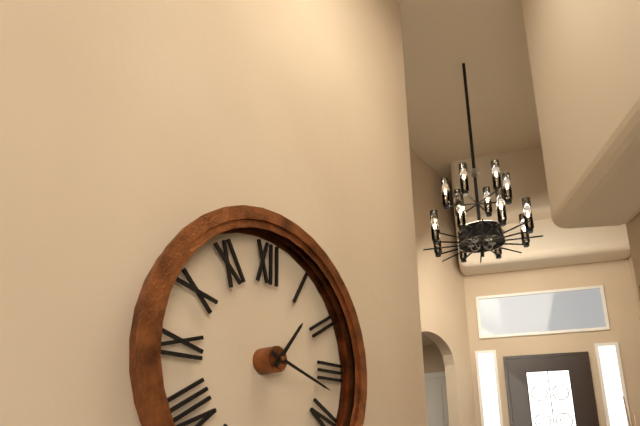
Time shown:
{"hour": 1, "minute": 18}
